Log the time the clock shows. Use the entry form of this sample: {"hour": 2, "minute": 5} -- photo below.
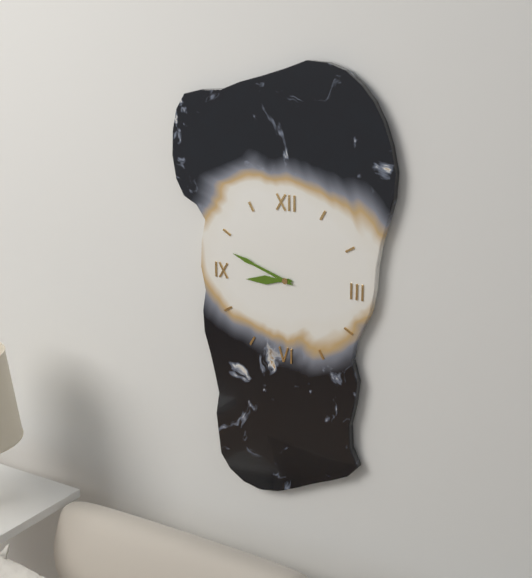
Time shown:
{"hour": 8, "minute": 48}
